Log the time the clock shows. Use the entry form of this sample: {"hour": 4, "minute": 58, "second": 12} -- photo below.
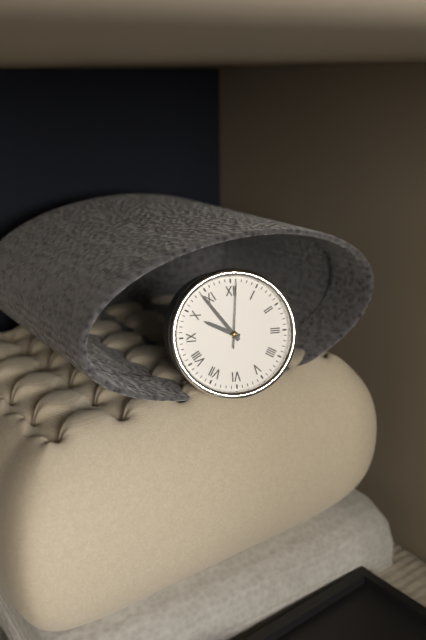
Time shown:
{"hour": 9, "minute": 54, "second": 1}
